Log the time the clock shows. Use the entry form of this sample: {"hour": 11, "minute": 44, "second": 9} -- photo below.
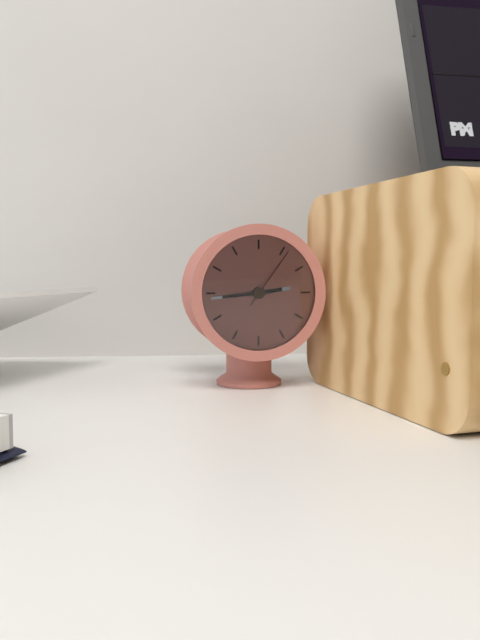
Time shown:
{"hour": 2, "minute": 44, "second": 6}
